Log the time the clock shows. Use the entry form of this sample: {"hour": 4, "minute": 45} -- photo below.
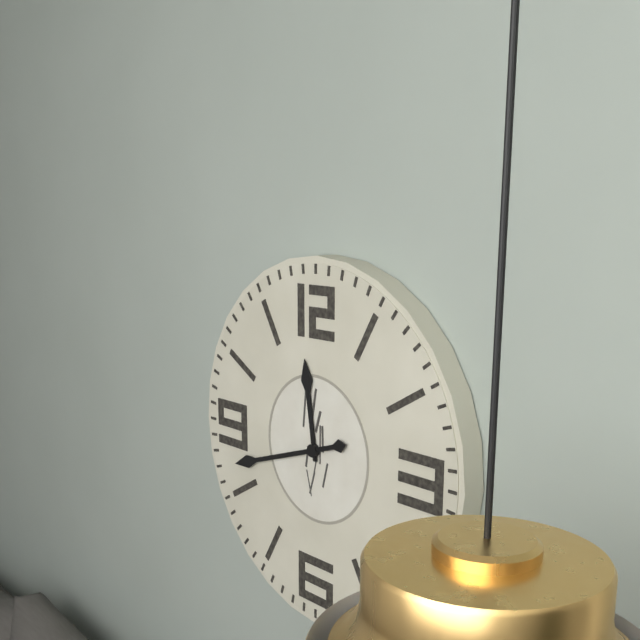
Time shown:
{"hour": 11, "minute": 42}
